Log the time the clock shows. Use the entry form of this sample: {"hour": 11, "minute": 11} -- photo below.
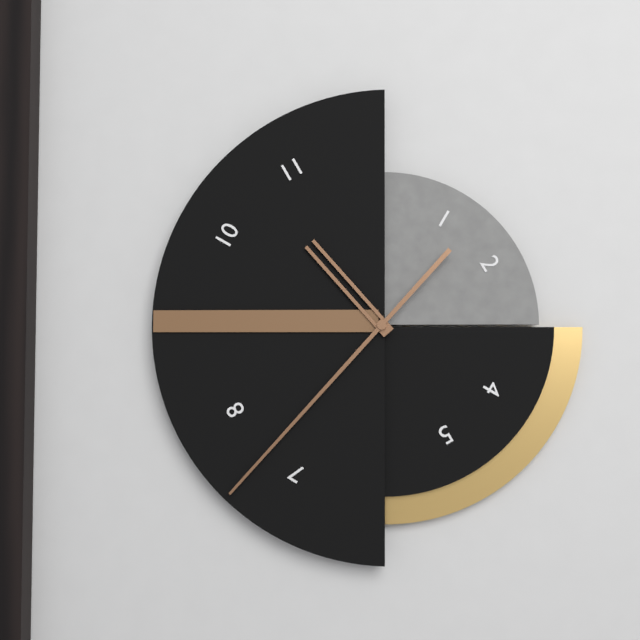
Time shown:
{"hour": 10, "minute": 37}
